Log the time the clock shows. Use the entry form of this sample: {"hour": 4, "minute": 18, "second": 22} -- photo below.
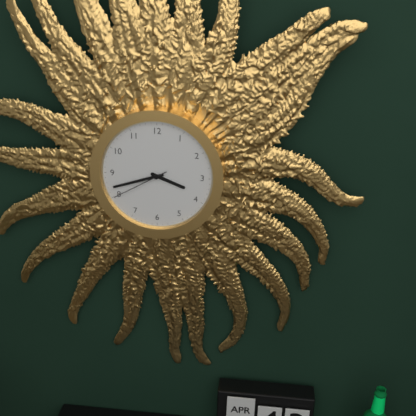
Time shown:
{"hour": 3, "minute": 42, "second": 40}
